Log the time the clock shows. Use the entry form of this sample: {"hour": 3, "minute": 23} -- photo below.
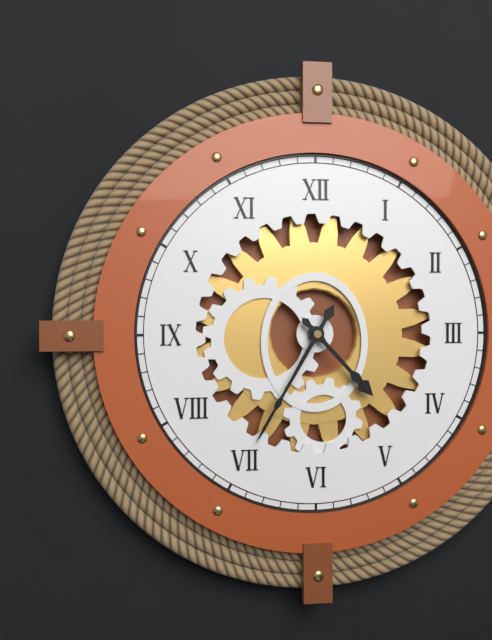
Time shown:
{"hour": 4, "minute": 35}
